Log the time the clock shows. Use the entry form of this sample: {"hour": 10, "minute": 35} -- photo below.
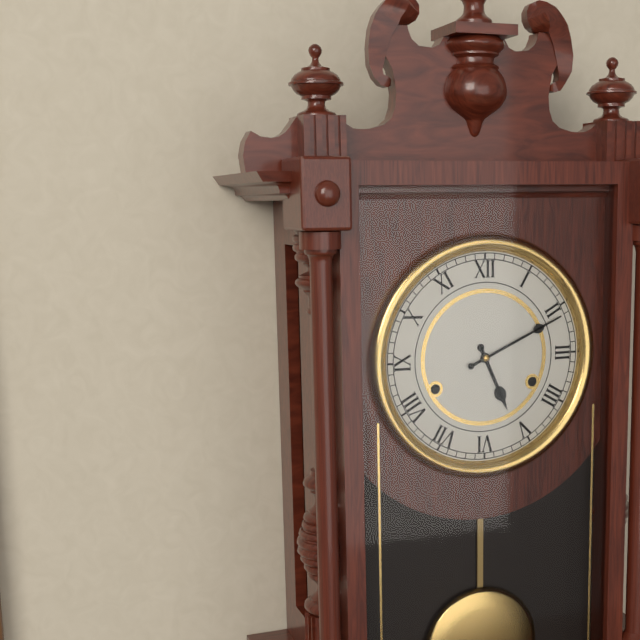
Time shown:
{"hour": 5, "minute": 11}
